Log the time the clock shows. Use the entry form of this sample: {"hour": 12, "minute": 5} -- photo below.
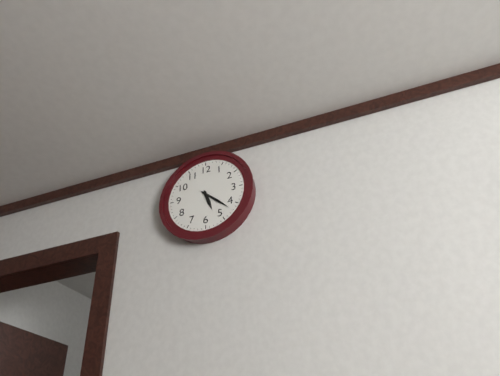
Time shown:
{"hour": 5, "minute": 22}
